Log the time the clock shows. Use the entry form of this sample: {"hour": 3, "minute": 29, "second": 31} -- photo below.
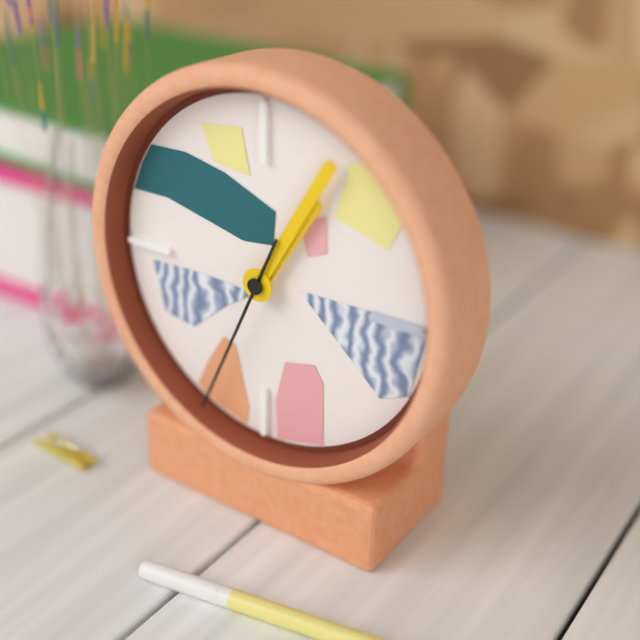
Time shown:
{"hour": 1, "minute": 5, "second": 34}
